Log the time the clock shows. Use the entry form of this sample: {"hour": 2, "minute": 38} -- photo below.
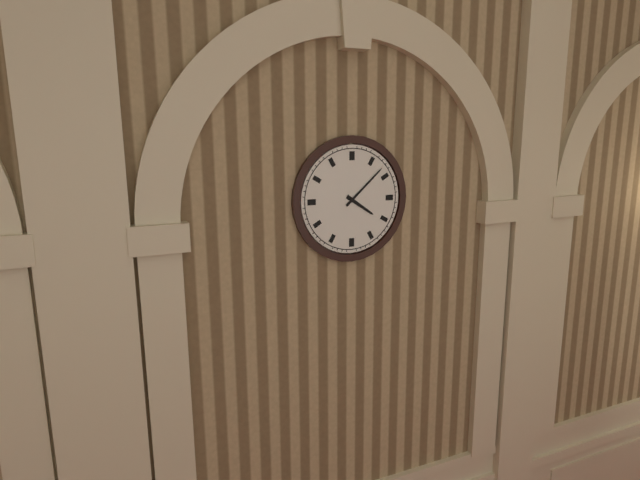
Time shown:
{"hour": 4, "minute": 8}
